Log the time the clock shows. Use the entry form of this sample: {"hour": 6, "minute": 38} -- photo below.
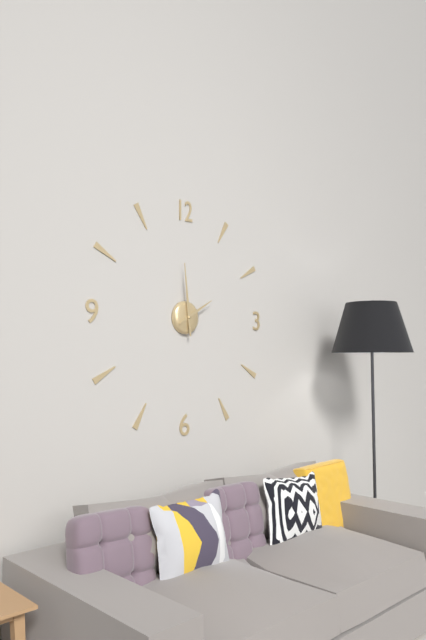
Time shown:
{"hour": 1, "minute": 59}
